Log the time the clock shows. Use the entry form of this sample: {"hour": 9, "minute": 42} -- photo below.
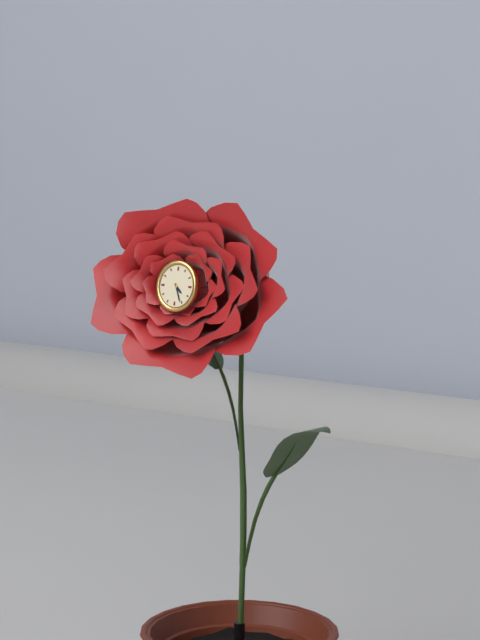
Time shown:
{"hour": 4, "minute": 26}
